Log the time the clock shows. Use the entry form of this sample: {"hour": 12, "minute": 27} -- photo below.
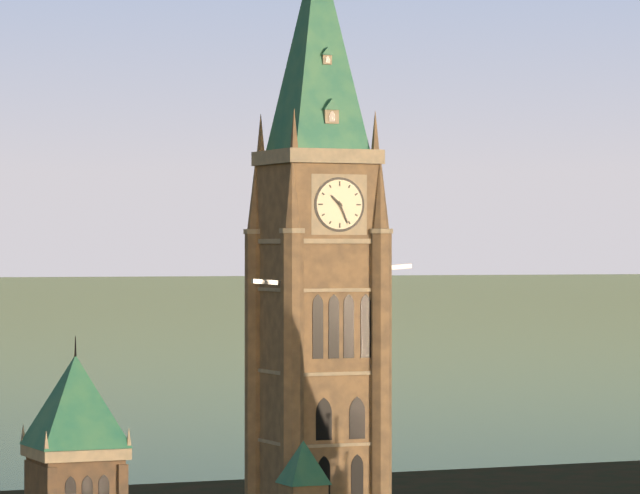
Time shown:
{"hour": 10, "minute": 26}
